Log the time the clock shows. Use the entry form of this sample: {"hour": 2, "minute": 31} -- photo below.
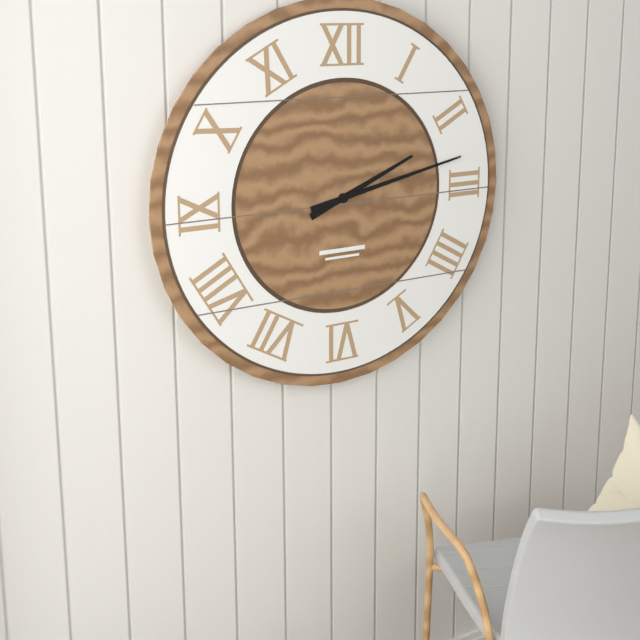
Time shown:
{"hour": 2, "minute": 13}
